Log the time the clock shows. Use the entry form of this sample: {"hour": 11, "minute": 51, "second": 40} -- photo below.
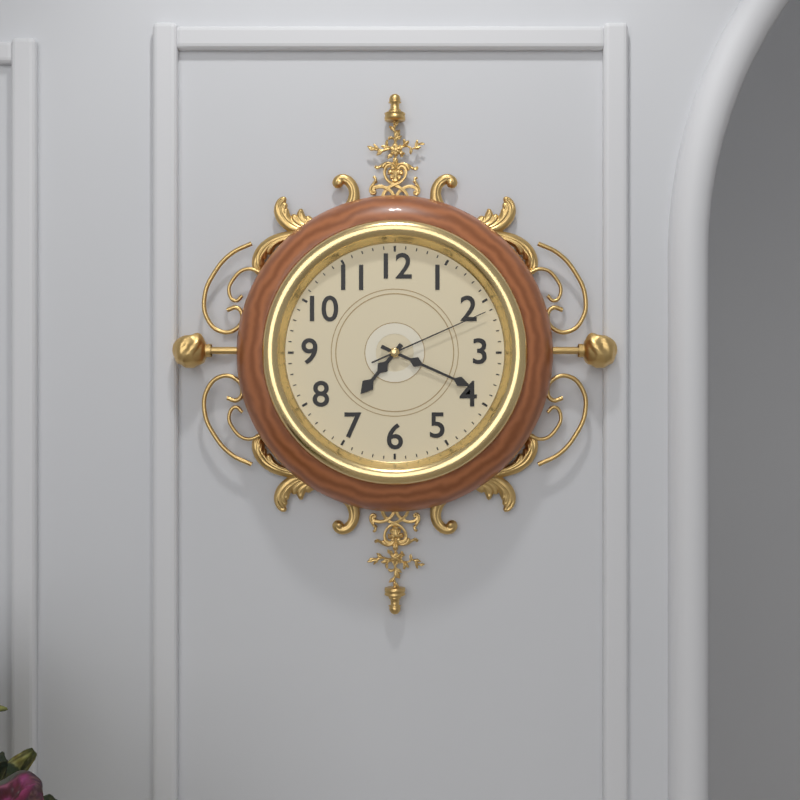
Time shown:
{"hour": 7, "minute": 19, "second": 11}
